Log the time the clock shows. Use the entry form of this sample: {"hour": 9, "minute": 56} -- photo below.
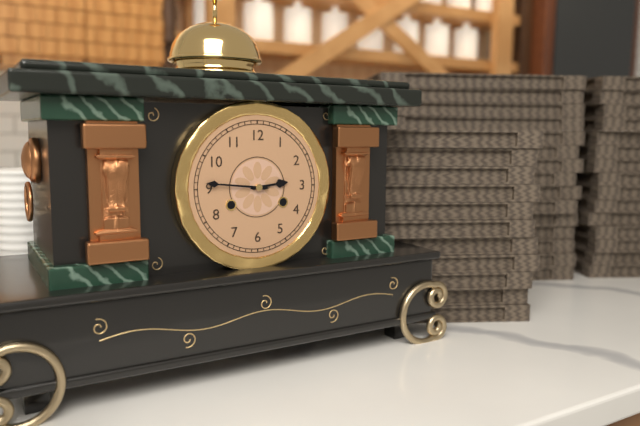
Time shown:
{"hour": 2, "minute": 46}
